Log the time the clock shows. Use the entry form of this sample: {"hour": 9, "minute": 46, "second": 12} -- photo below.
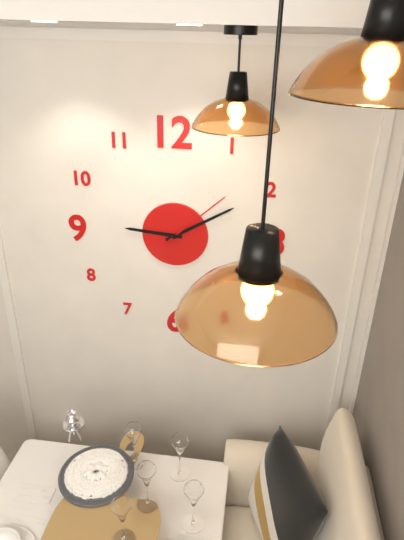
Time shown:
{"hour": 9, "minute": 10, "second": 8}
